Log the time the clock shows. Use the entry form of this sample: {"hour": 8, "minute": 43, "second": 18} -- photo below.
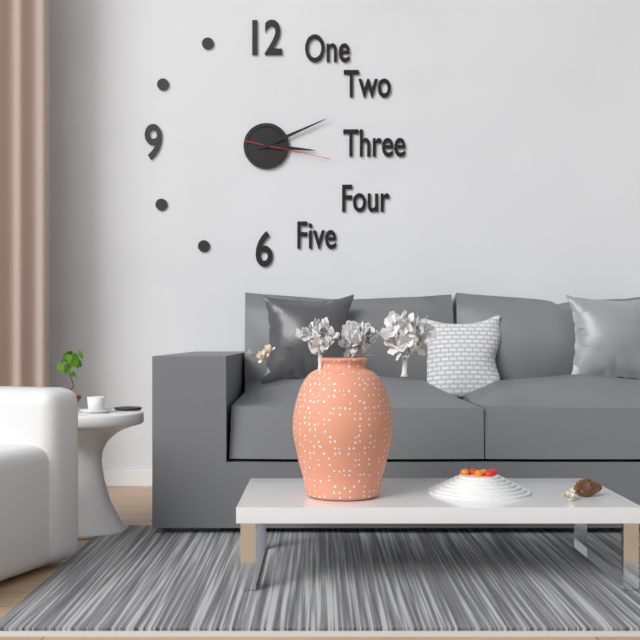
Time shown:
{"hour": 3, "minute": 11, "second": 17}
